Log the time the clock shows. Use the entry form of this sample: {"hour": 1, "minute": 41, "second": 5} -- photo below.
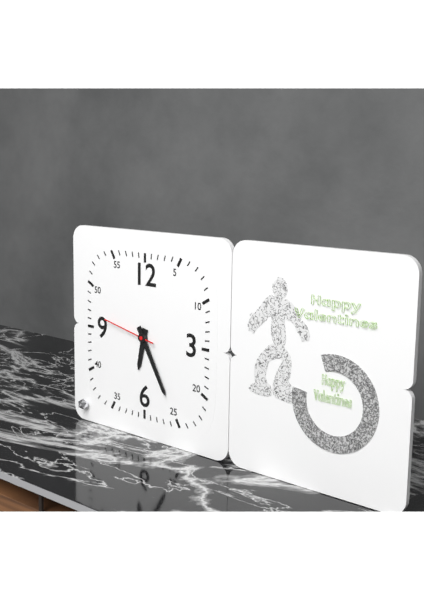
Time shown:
{"hour": 6, "minute": 25, "second": 47}
